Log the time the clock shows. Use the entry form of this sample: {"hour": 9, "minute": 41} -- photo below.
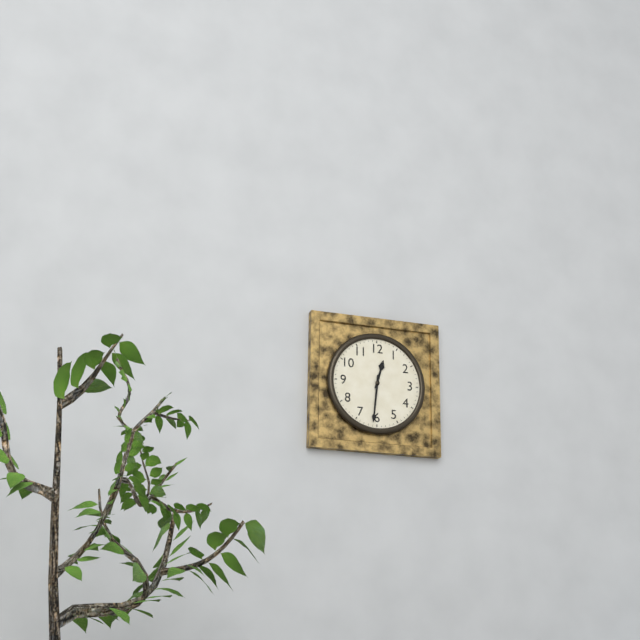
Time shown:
{"hour": 12, "minute": 31}
